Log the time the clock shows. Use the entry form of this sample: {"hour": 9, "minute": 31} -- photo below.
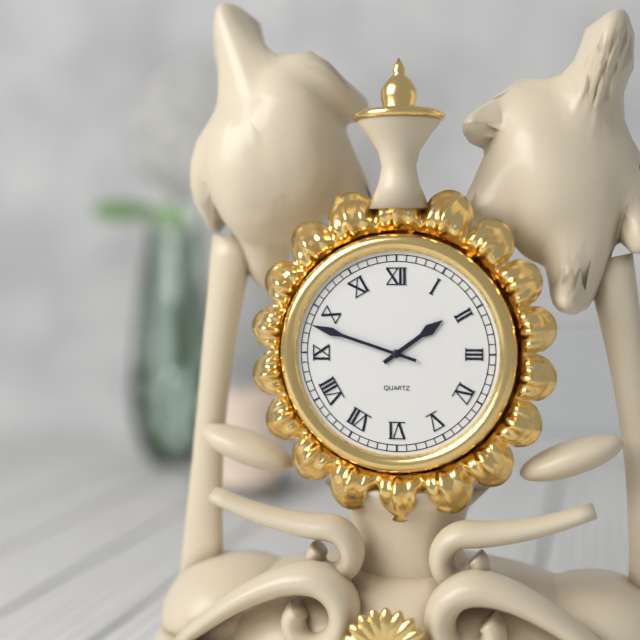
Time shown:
{"hour": 1, "minute": 48}
